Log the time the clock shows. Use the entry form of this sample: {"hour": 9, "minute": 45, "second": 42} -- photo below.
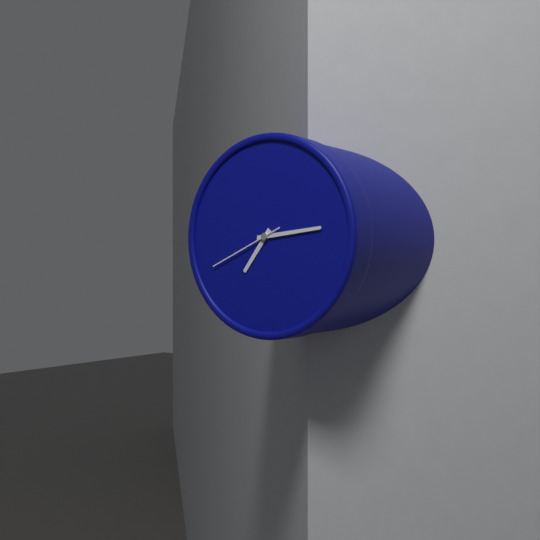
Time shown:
{"hour": 7, "minute": 14, "second": 41}
